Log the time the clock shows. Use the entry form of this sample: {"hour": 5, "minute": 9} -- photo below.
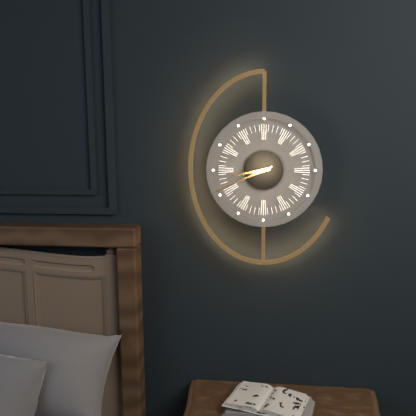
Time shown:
{"hour": 8, "minute": 41}
